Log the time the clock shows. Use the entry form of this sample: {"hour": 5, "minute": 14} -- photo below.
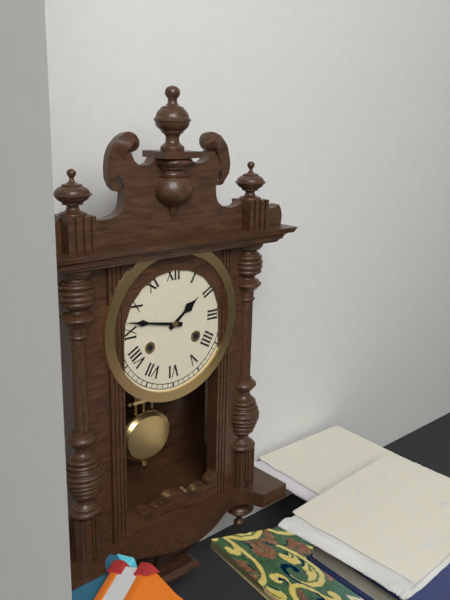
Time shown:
{"hour": 1, "minute": 47}
